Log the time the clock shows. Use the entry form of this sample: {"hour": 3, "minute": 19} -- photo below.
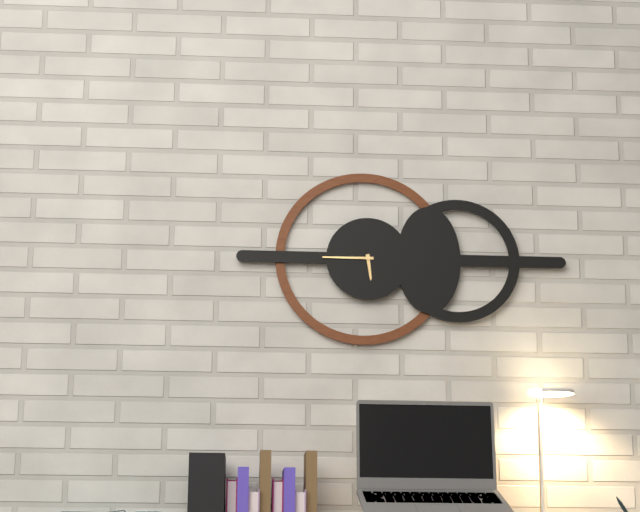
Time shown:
{"hour": 5, "minute": 45}
